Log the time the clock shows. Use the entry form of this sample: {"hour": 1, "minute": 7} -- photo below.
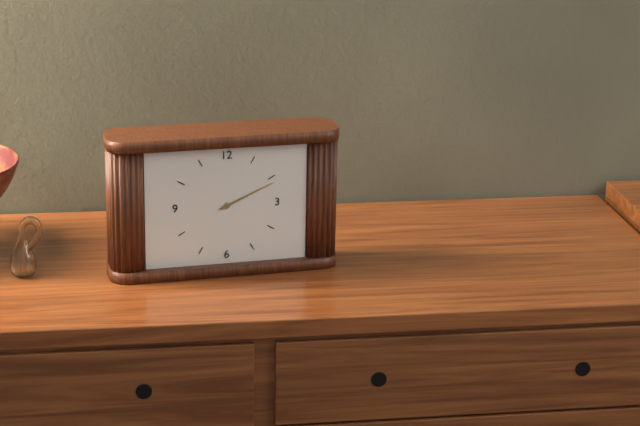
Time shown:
{"hour": 2, "minute": 11}
